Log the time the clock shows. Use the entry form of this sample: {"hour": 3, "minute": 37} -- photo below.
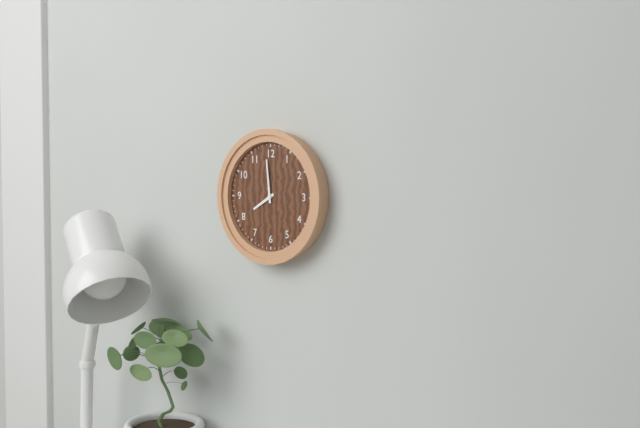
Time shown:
{"hour": 7, "minute": 59}
